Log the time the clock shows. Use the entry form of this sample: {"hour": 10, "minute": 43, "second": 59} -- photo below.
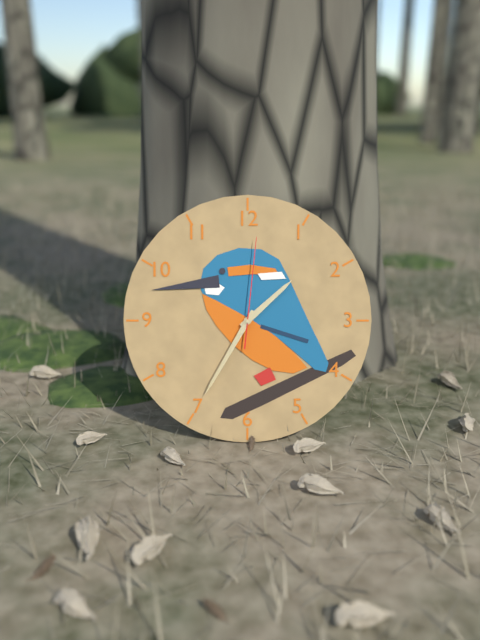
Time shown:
{"hour": 1, "minute": 35, "second": 1}
